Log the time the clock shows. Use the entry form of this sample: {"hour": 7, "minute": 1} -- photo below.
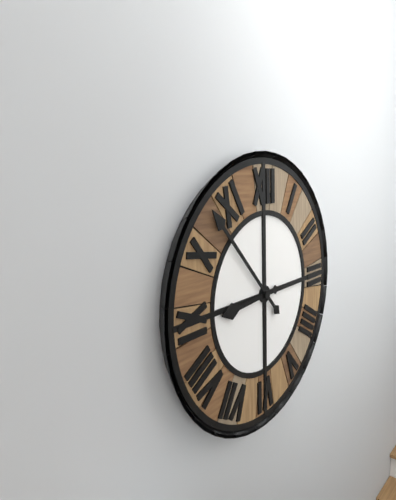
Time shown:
{"hour": 8, "minute": 53}
